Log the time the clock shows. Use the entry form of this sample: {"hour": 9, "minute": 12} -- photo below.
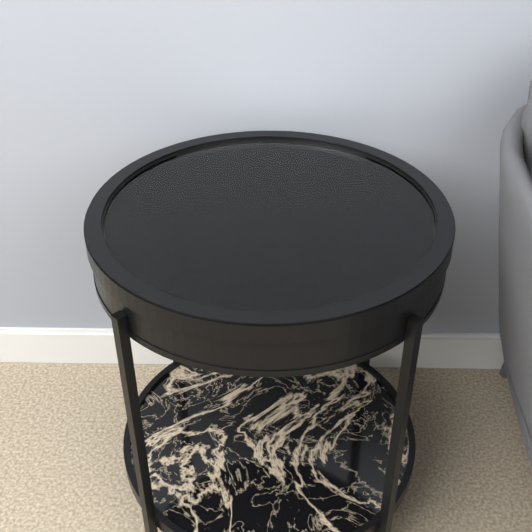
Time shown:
{"hour": 7, "minute": 12}
